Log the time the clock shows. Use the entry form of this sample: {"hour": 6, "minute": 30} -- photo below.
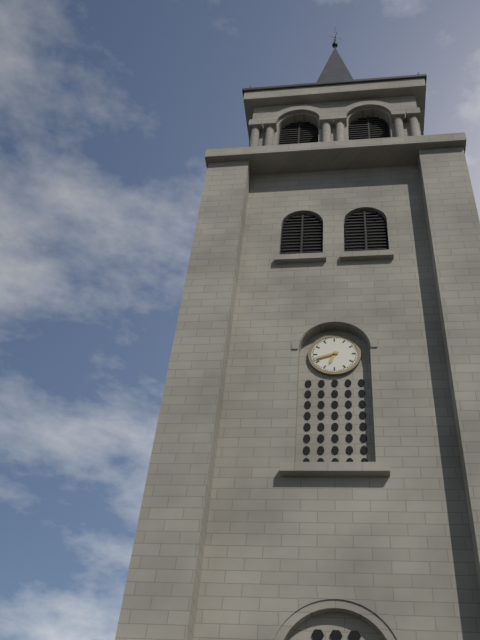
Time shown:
{"hour": 6, "minute": 42}
